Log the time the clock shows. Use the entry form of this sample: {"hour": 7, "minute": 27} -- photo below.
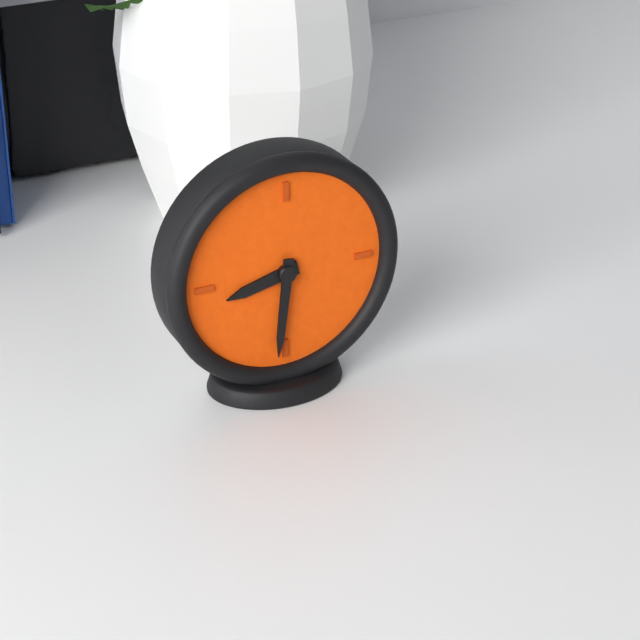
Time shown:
{"hour": 8, "minute": 31}
